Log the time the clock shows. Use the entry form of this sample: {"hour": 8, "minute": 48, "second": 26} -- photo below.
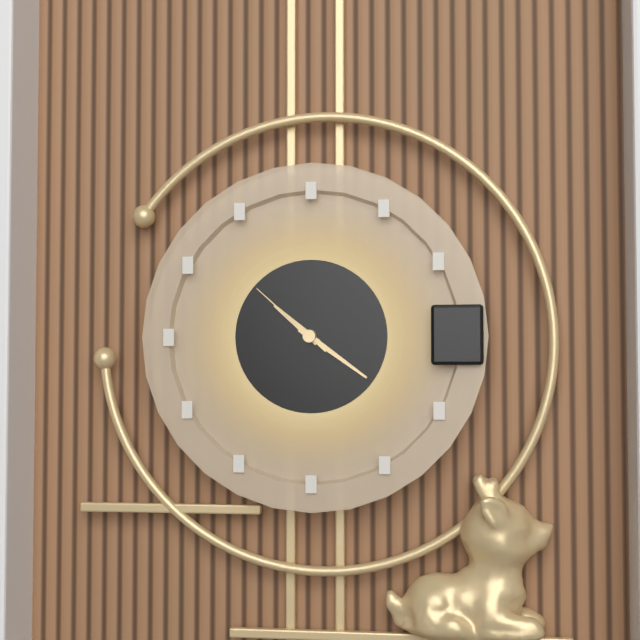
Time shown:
{"hour": 10, "minute": 21, "second": 52}
